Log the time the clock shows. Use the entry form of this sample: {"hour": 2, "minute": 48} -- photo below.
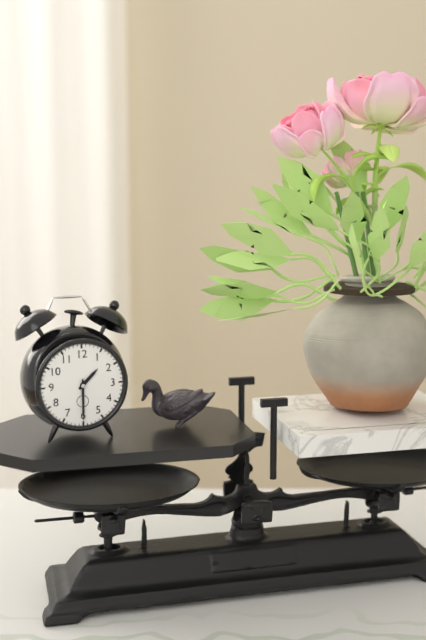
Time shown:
{"hour": 1, "minute": 30}
